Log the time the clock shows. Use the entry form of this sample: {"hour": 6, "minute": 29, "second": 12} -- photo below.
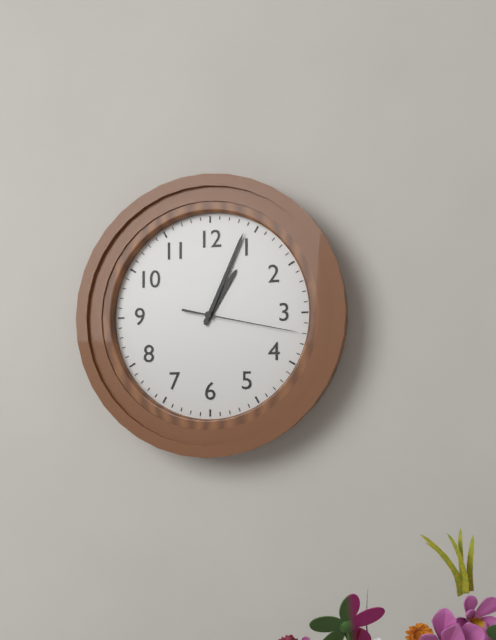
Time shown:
{"hour": 1, "minute": 4, "second": 17}
